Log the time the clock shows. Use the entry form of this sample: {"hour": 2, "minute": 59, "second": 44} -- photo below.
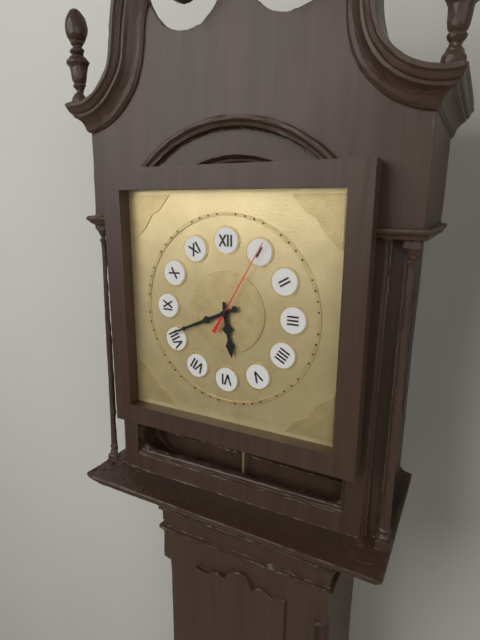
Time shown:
{"hour": 5, "minute": 41, "second": 5}
